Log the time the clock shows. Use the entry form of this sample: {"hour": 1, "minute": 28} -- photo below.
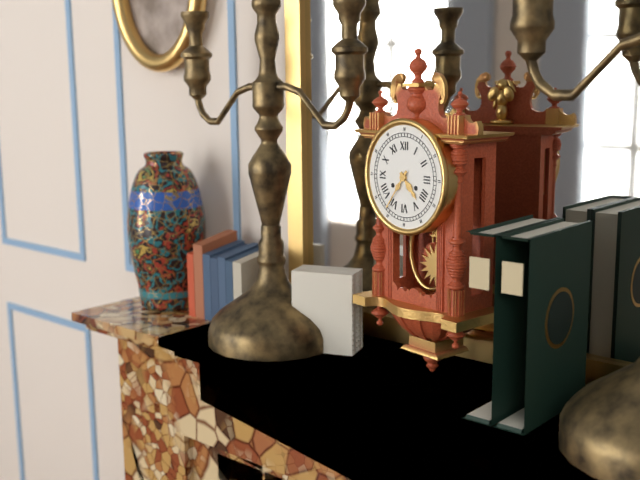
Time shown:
{"hour": 4, "minute": 36}
